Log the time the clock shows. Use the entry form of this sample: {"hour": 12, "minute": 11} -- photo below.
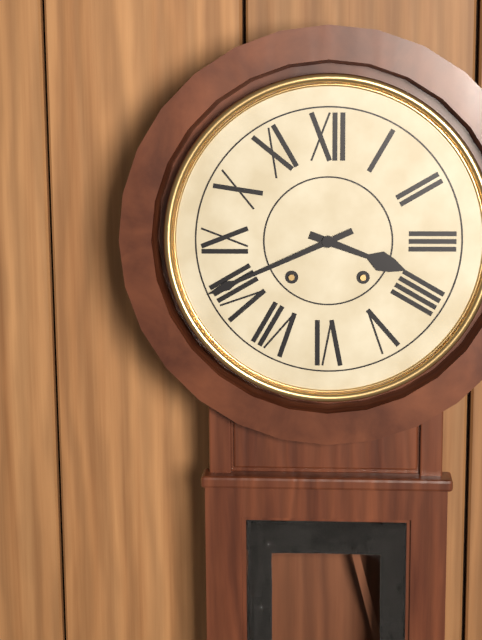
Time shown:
{"hour": 3, "minute": 41}
